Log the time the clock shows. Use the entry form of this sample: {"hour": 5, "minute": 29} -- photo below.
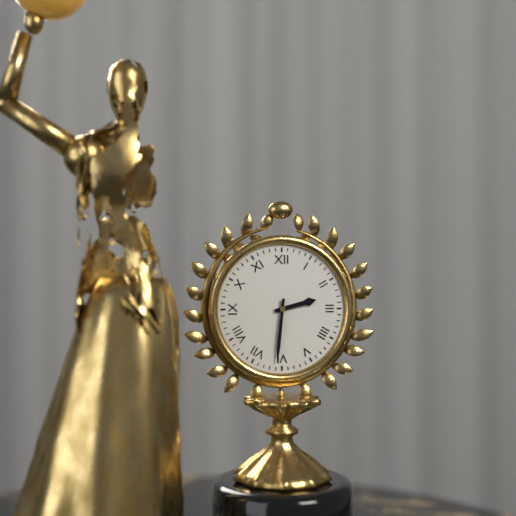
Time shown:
{"hour": 2, "minute": 31}
